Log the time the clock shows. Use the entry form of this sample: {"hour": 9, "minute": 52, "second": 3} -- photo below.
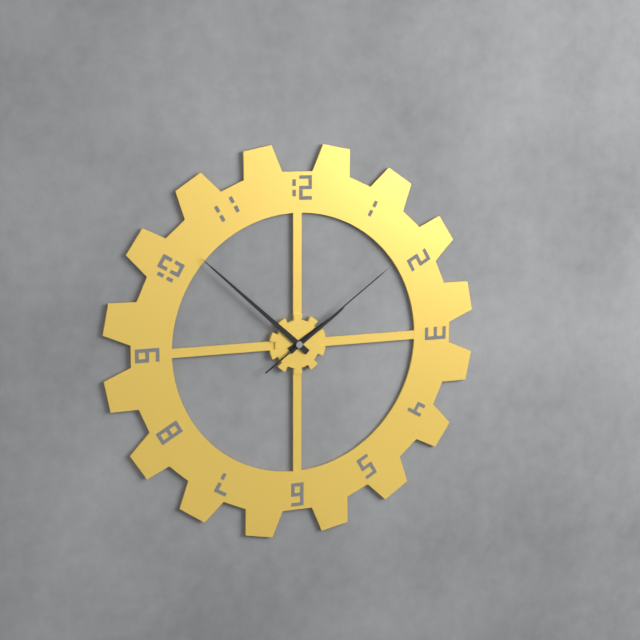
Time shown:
{"hour": 1, "minute": 52, "second": 9}
